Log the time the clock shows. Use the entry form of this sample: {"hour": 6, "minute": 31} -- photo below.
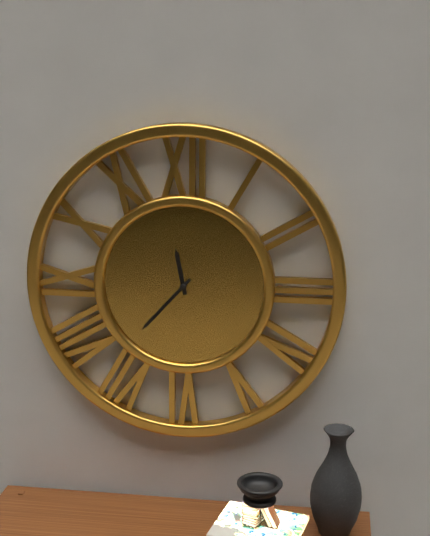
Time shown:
{"hour": 11, "minute": 37}
